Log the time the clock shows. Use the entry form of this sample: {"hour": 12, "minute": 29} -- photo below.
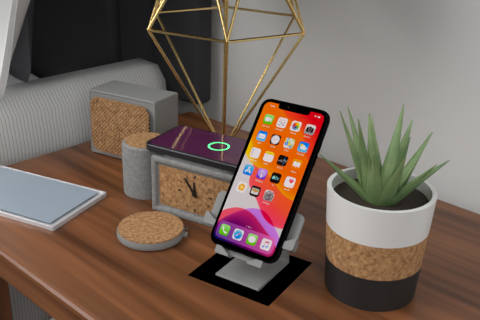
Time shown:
{"hour": 11, "minute": 54}
